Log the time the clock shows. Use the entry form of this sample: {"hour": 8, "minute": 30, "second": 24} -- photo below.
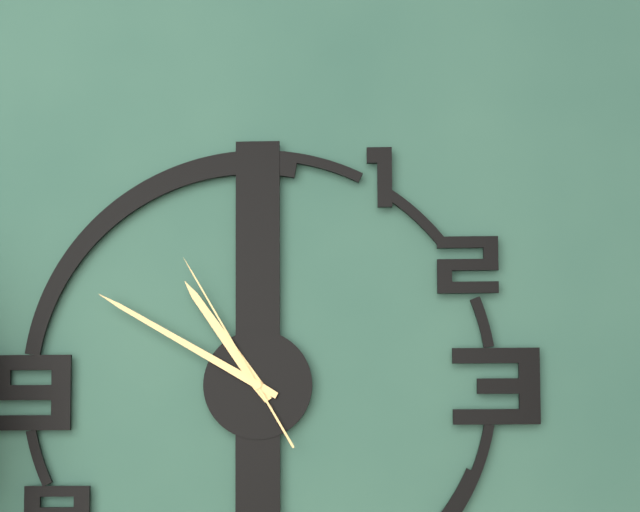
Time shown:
{"hour": 10, "minute": 50, "second": 55}
